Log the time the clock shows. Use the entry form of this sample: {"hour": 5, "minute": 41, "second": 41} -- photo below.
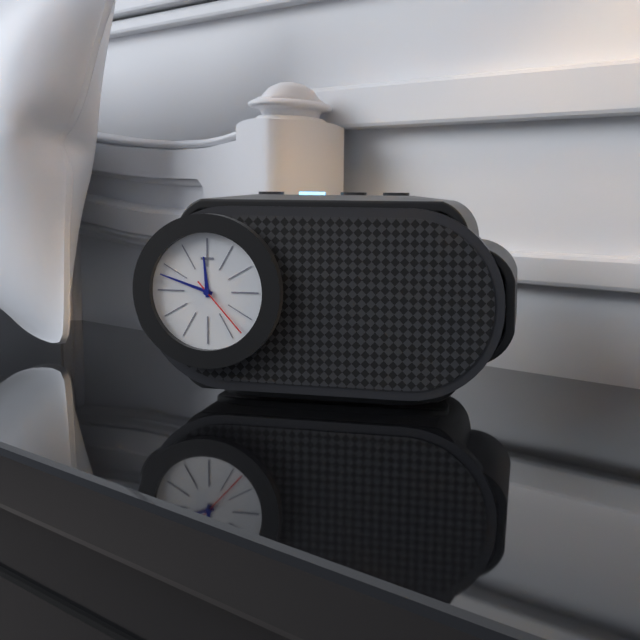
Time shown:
{"hour": 11, "minute": 48, "second": 23}
